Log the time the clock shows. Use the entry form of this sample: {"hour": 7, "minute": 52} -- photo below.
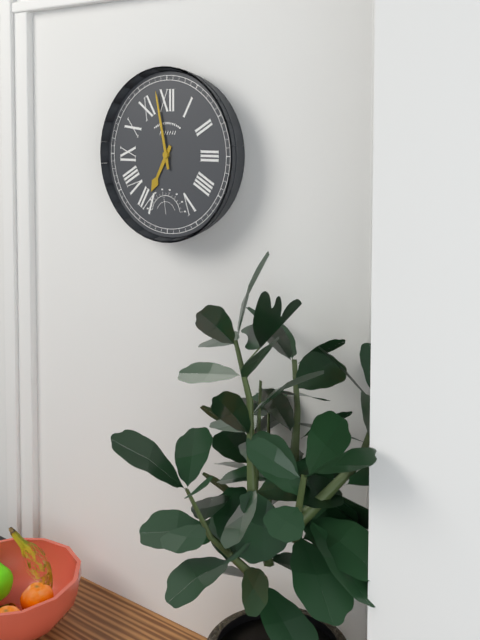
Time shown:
{"hour": 6, "minute": 58}
